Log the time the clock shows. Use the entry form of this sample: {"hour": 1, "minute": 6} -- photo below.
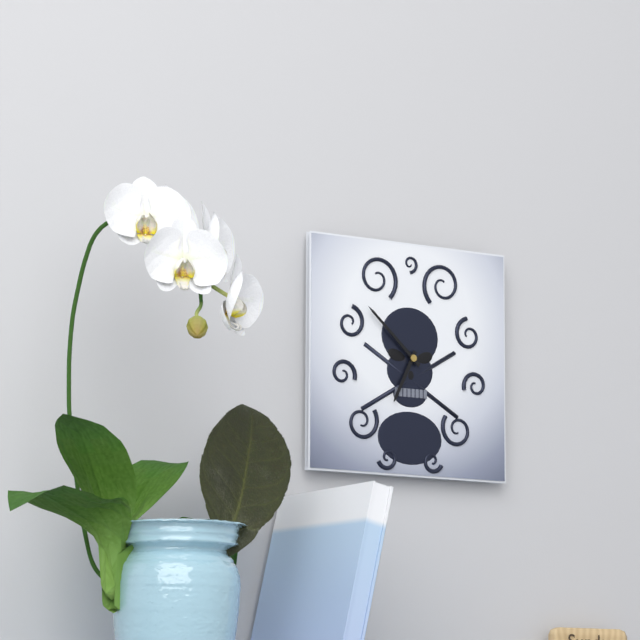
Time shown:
{"hour": 6, "minute": 52}
